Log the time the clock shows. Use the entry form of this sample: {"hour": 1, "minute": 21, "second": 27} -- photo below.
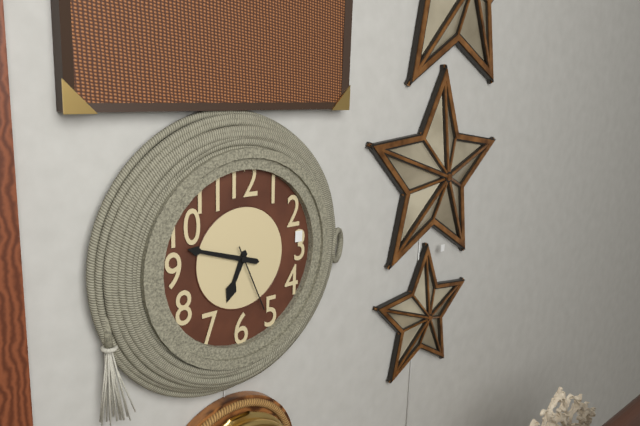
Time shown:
{"hour": 6, "minute": 48, "second": 26}
